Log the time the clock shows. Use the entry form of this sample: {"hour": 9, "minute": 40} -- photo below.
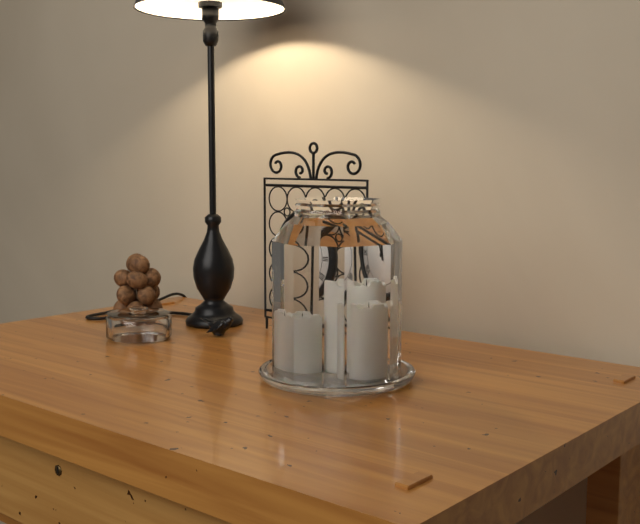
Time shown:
{"hour": 11, "minute": 56}
